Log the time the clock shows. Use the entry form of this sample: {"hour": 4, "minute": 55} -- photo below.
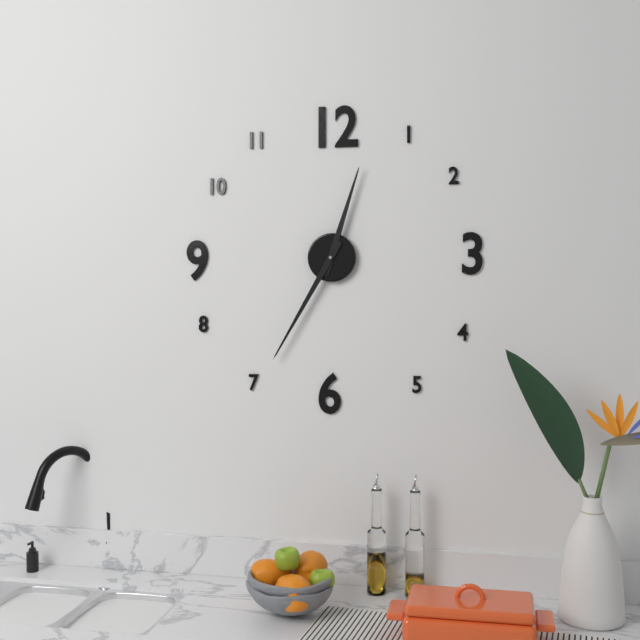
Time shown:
{"hour": 12, "minute": 35}
